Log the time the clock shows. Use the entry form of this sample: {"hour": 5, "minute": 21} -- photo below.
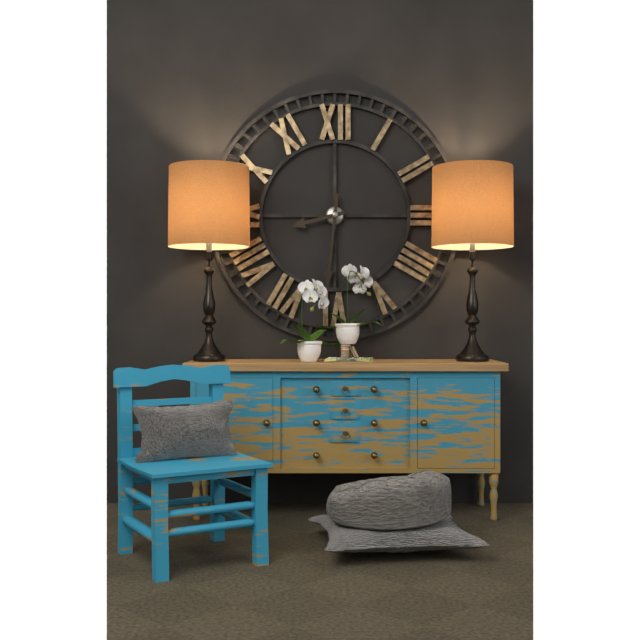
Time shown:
{"hour": 8, "minute": 31}
